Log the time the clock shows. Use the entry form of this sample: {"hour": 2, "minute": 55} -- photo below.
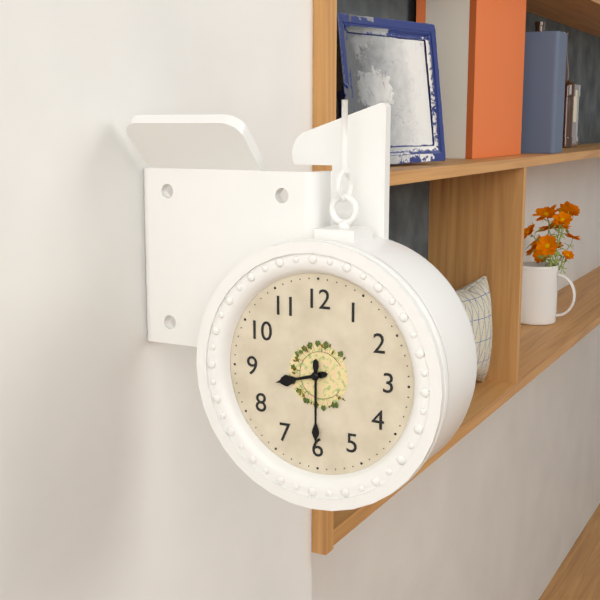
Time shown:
{"hour": 8, "minute": 30}
